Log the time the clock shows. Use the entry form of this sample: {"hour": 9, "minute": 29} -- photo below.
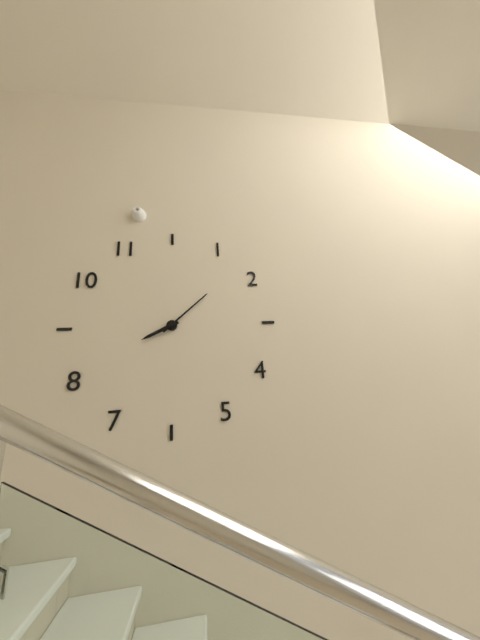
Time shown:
{"hour": 8, "minute": 8}
